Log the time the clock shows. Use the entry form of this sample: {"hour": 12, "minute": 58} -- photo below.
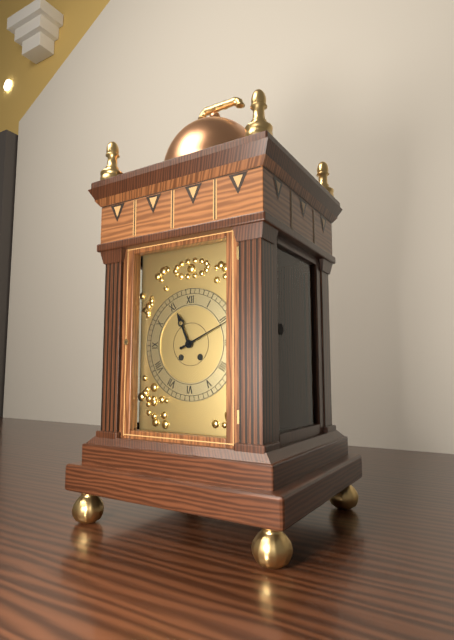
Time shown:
{"hour": 11, "minute": 11}
